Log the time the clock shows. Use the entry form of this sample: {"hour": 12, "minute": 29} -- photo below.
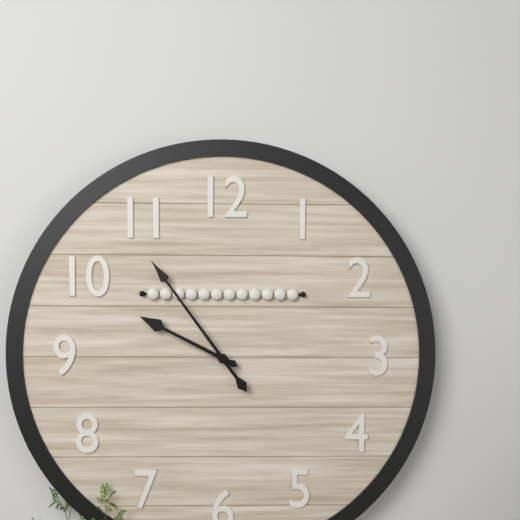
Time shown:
{"hour": 9, "minute": 54}
